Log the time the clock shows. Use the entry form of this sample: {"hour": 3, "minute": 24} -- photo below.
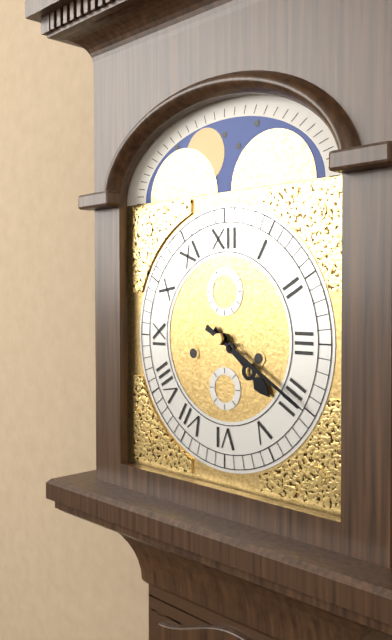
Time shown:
{"hour": 4, "minute": 20}
